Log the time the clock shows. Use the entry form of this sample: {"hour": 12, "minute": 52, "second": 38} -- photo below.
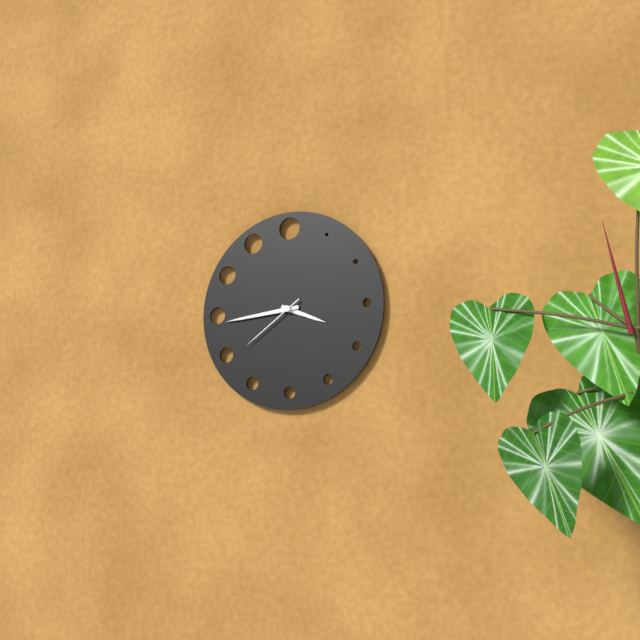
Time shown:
{"hour": 3, "minute": 44, "second": 39}
